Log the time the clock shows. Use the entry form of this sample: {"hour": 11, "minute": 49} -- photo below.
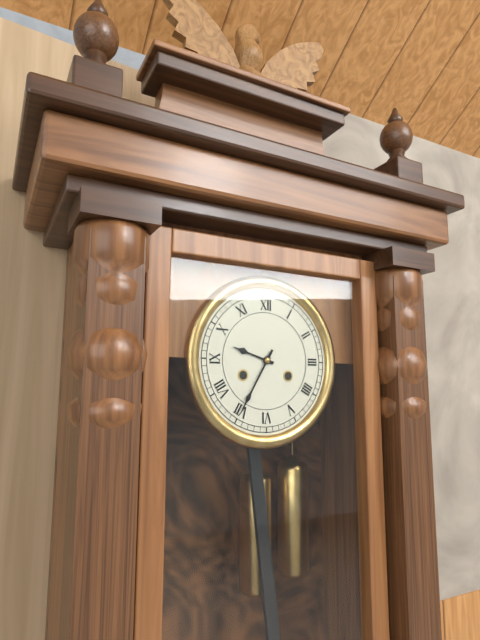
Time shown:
{"hour": 9, "minute": 35}
